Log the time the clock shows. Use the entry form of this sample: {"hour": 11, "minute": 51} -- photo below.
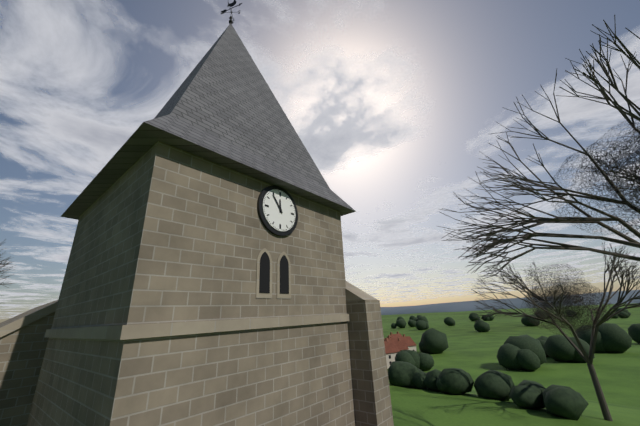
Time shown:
{"hour": 11, "minute": 54}
